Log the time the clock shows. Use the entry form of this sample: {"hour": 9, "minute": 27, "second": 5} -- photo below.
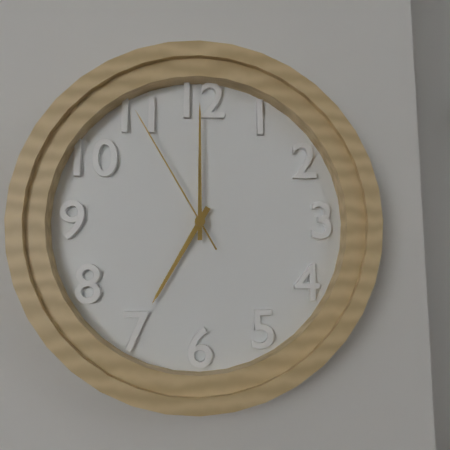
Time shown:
{"hour": 7, "minute": 0, "second": 55}
